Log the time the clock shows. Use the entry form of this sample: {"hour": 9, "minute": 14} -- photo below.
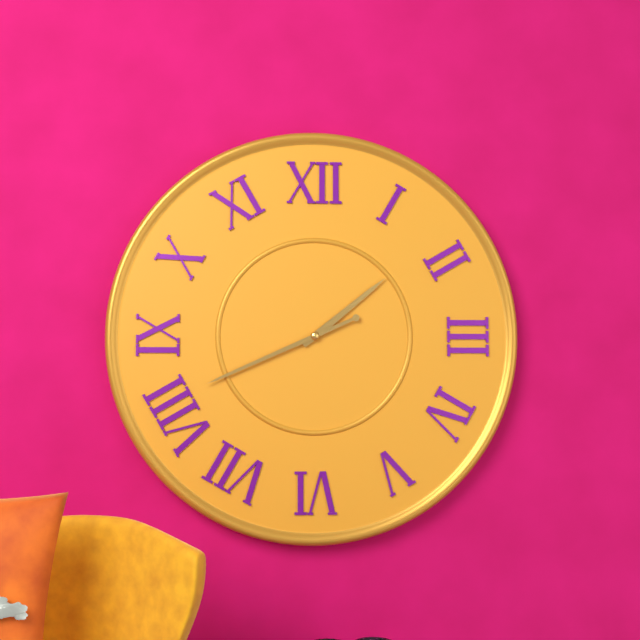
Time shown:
{"hour": 1, "minute": 41}
